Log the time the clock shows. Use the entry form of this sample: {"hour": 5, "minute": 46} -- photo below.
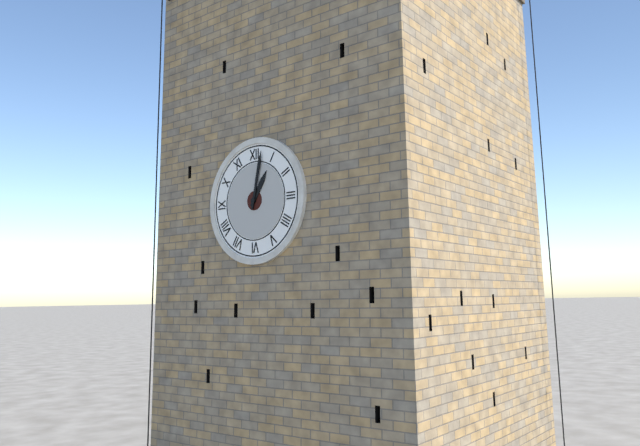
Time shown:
{"hour": 1, "minute": 2}
